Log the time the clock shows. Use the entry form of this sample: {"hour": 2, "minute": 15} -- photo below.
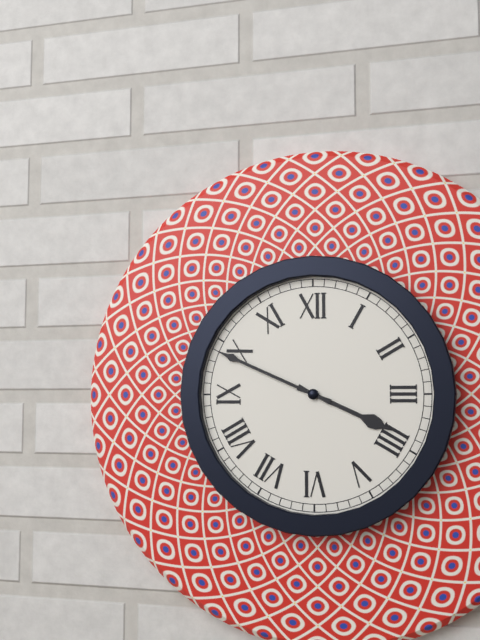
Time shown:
{"hour": 3, "minute": 49}
